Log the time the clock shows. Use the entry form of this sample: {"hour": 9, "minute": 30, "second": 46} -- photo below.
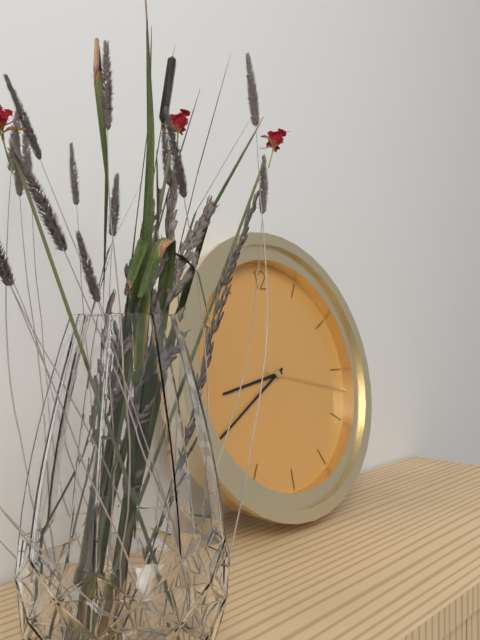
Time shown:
{"hour": 8, "minute": 40, "second": 17}
